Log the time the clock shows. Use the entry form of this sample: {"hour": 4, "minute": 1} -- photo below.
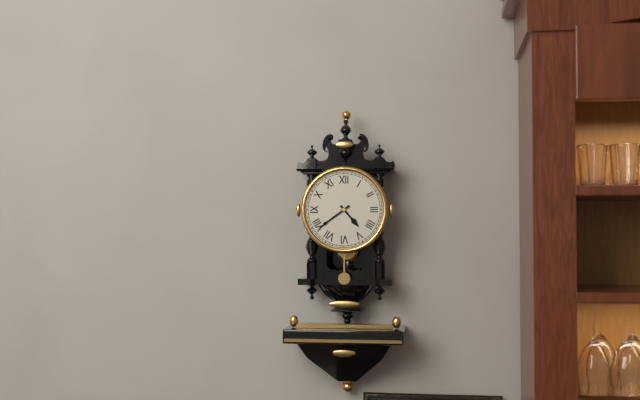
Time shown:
{"hour": 4, "minute": 39}
